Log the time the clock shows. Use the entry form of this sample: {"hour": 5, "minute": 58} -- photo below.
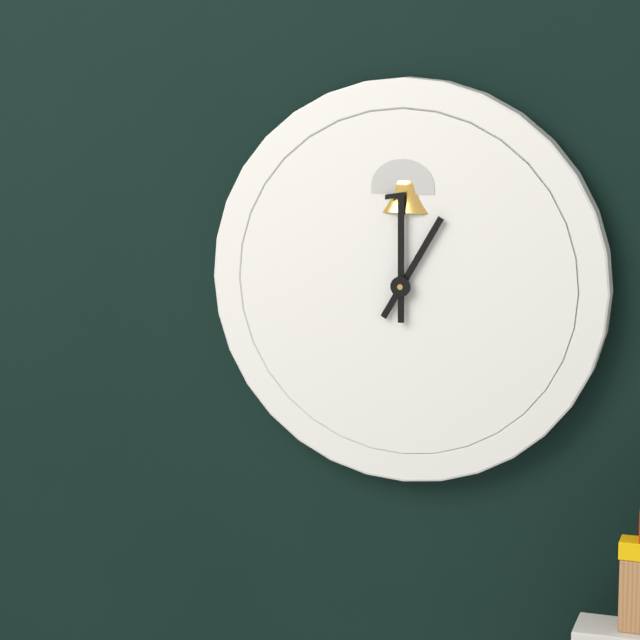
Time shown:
{"hour": 1, "minute": 0}
